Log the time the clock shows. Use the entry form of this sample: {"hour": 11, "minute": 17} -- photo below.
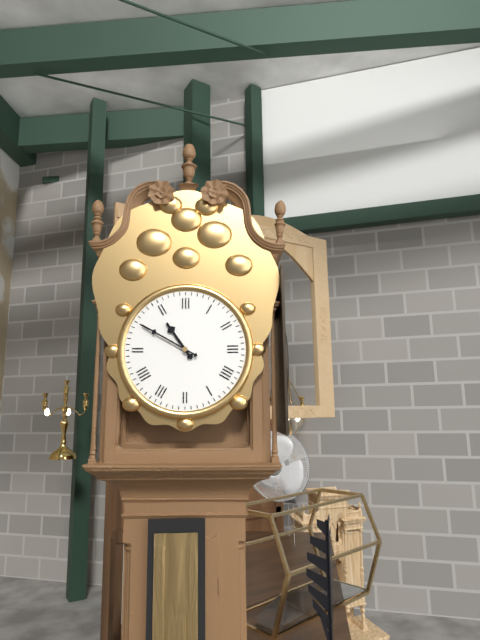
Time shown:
{"hour": 10, "minute": 50}
